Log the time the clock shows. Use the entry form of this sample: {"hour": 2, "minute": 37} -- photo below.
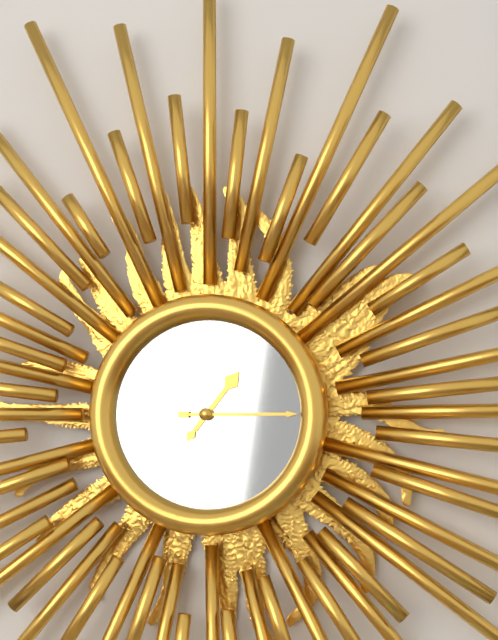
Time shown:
{"hour": 1, "minute": 15}
